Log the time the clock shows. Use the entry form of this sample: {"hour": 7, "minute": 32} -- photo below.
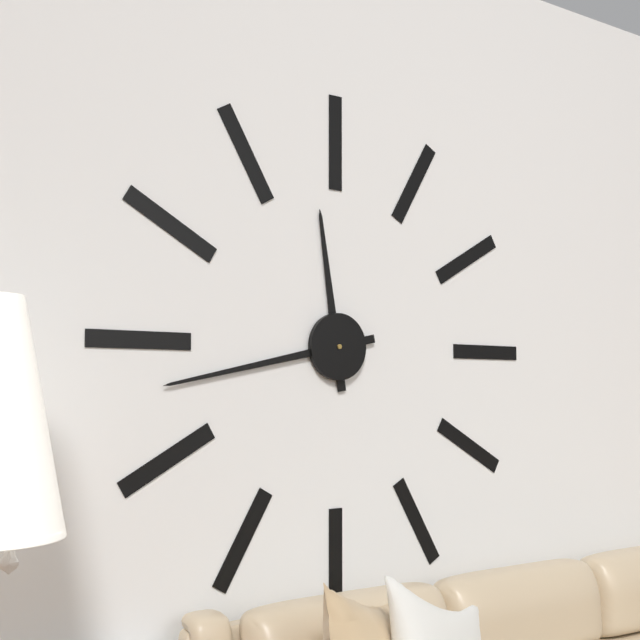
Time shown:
{"hour": 11, "minute": 43}
